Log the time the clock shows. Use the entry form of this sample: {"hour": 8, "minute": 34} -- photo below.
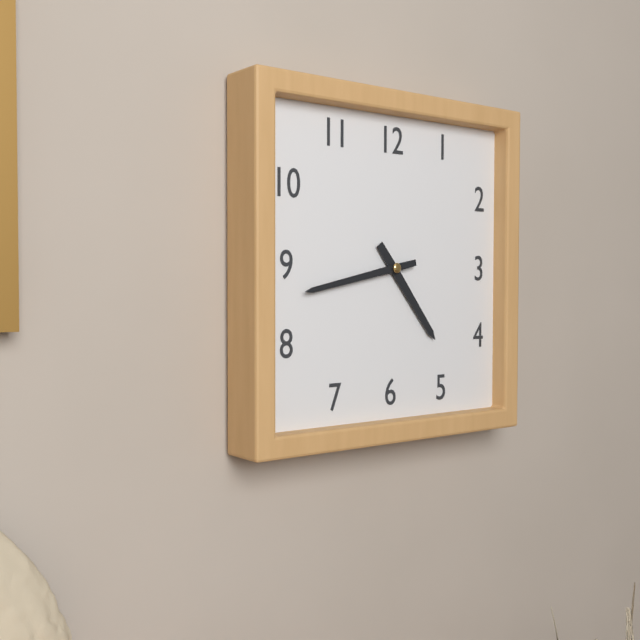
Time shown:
{"hour": 4, "minute": 43}
